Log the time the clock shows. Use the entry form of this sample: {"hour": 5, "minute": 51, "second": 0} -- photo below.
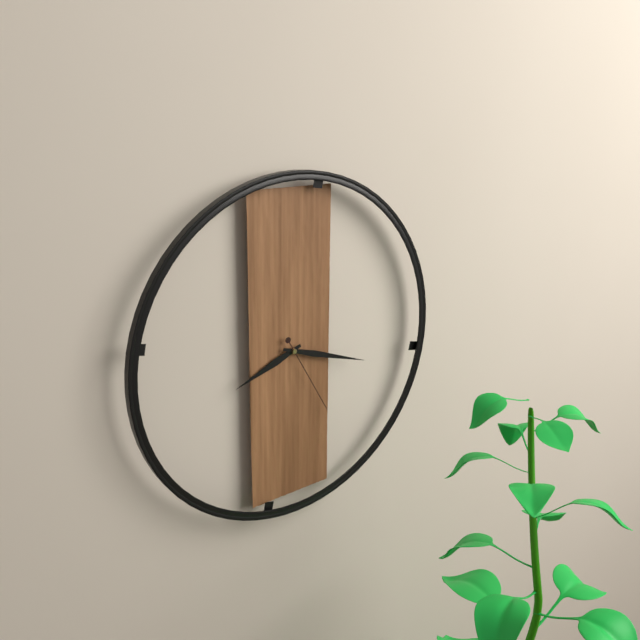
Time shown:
{"hour": 8, "minute": 18, "second": 25}
